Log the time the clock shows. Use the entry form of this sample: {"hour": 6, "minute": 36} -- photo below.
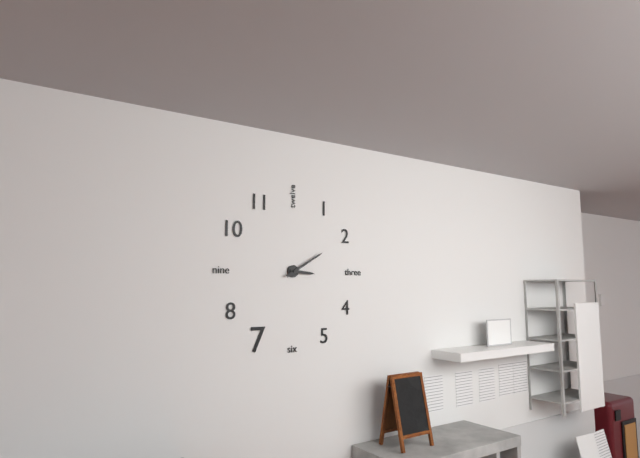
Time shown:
{"hour": 3, "minute": 10}
